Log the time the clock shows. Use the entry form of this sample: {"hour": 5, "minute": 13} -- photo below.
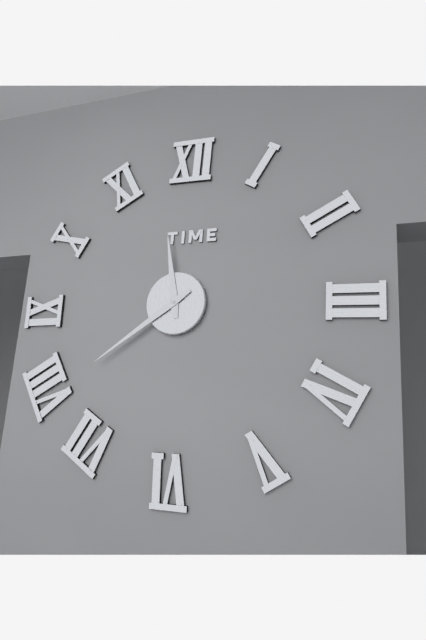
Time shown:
{"hour": 11, "minute": 39}
